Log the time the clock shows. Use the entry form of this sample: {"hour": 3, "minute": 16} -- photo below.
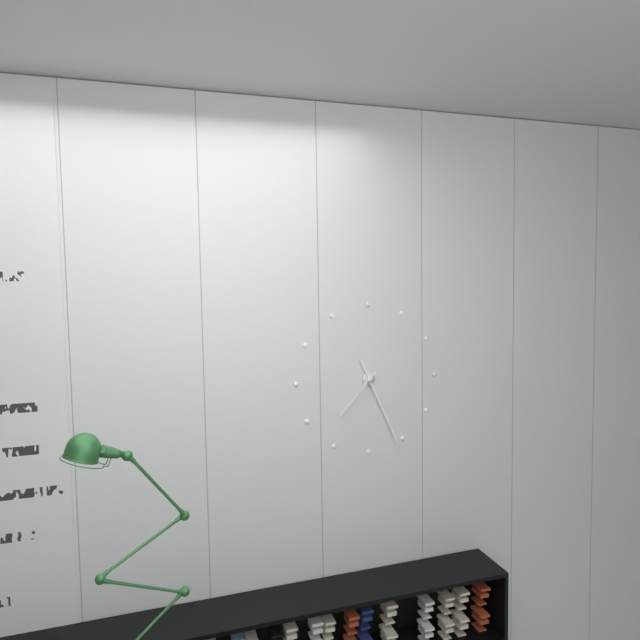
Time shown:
{"hour": 7, "minute": 26}
